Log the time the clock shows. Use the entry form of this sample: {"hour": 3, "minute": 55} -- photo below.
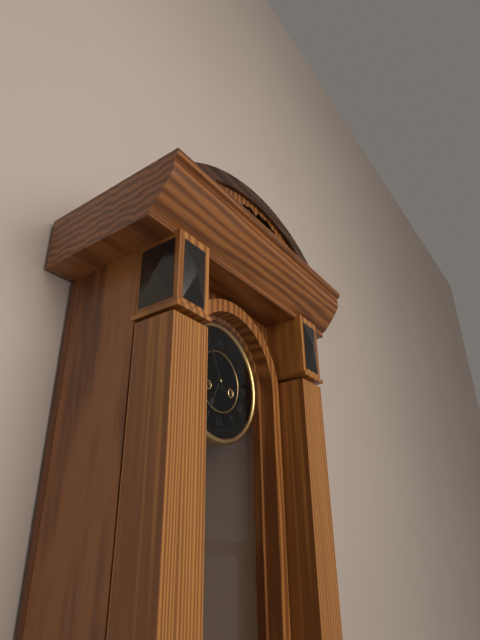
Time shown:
{"hour": 6, "minute": 56}
